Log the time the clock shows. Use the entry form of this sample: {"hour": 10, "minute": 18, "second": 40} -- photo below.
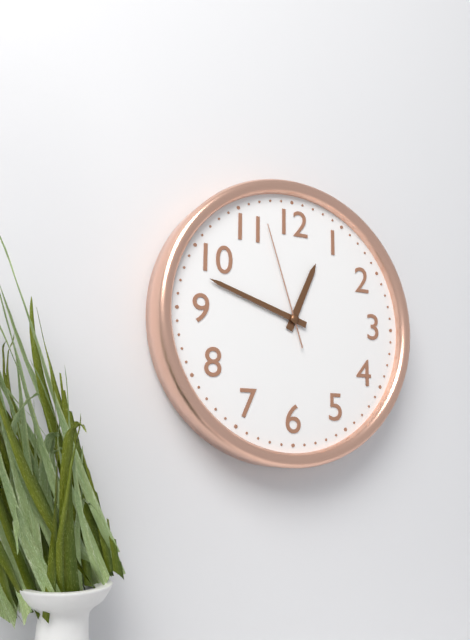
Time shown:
{"hour": 12, "minute": 48, "second": 57}
